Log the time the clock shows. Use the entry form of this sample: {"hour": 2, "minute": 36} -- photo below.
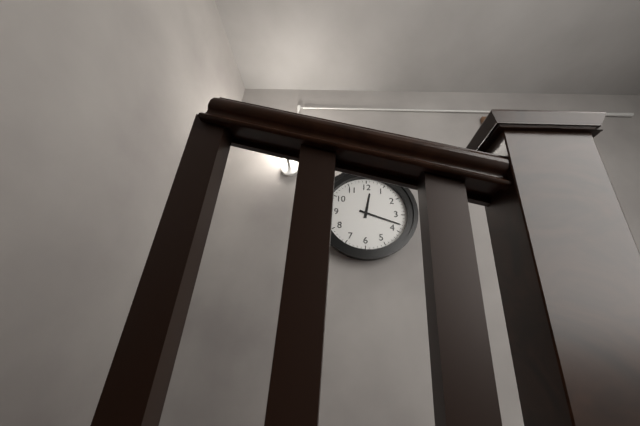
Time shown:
{"hour": 12, "minute": 18}
